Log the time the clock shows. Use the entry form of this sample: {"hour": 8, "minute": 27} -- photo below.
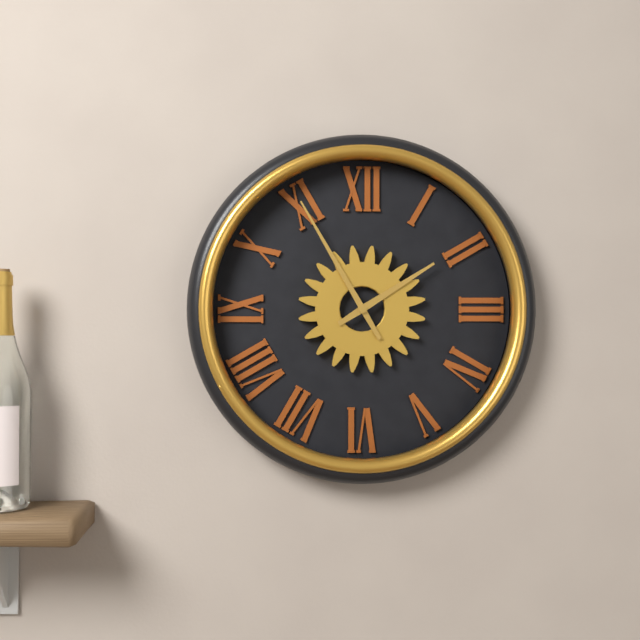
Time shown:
{"hour": 1, "minute": 55}
